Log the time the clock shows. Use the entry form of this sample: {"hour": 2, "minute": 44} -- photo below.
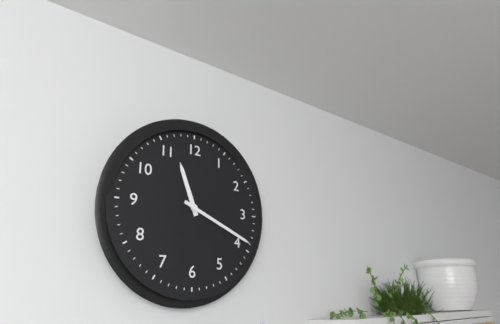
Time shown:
{"hour": 11, "minute": 19}
